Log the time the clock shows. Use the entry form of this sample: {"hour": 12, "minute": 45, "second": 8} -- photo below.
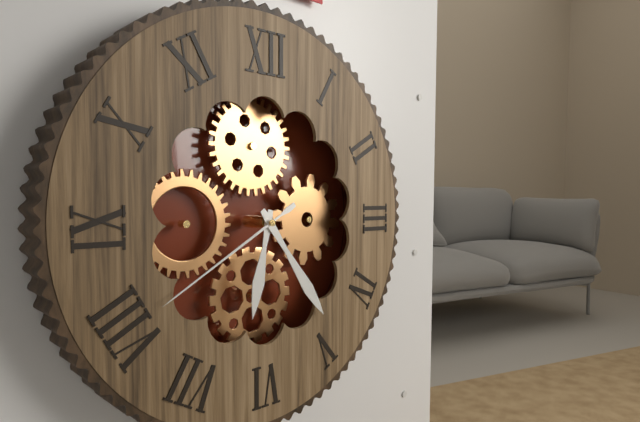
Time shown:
{"hour": 6, "minute": 24, "second": 40}
